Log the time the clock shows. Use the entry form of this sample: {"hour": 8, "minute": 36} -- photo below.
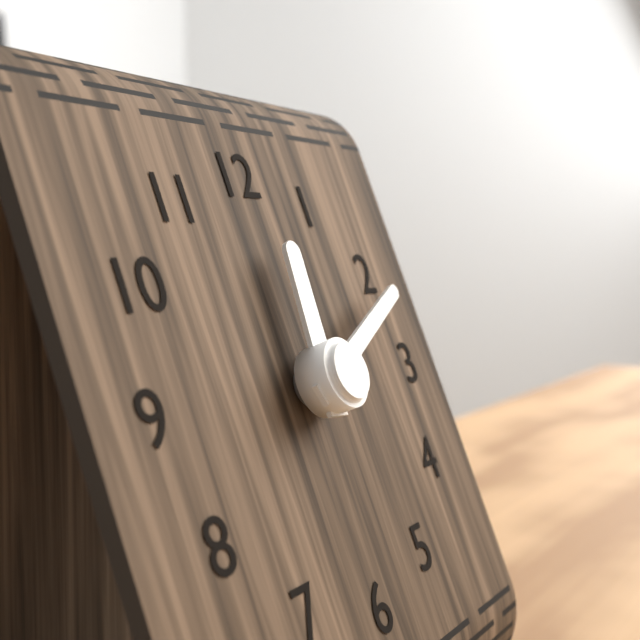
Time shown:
{"hour": 12, "minute": 11}
